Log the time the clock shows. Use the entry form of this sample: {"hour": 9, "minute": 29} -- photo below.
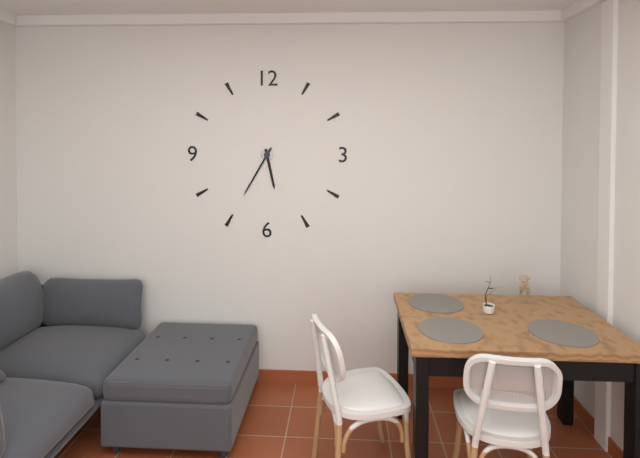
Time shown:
{"hour": 5, "minute": 35}
